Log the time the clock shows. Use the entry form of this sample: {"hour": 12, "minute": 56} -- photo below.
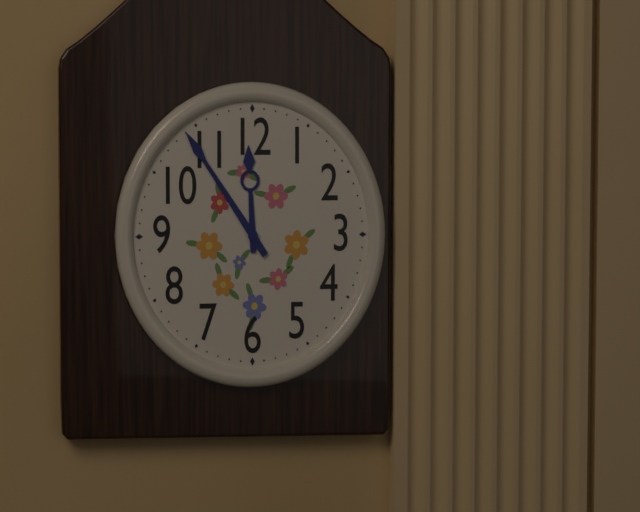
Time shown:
{"hour": 11, "minute": 54}
